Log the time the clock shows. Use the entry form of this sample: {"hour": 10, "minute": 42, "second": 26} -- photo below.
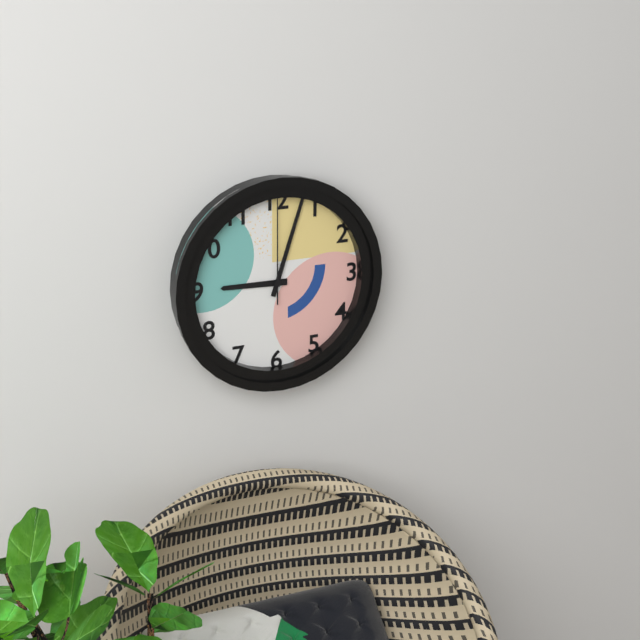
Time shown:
{"hour": 9, "minute": 3, "second": 0}
